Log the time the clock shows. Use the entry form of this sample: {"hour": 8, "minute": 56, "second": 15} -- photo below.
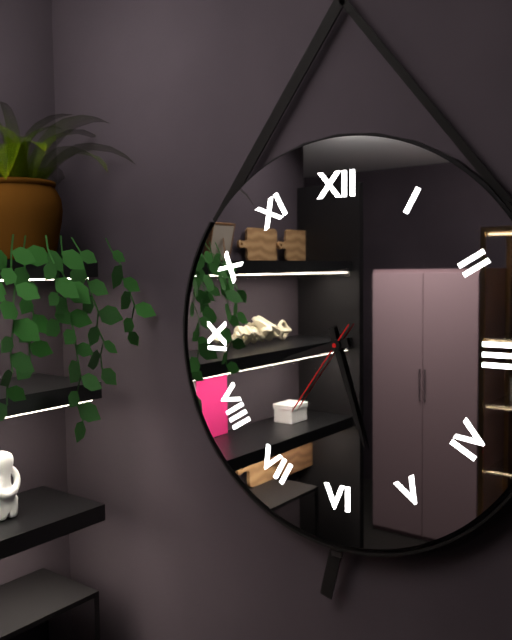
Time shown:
{"hour": 8, "minute": 27, "second": 36}
